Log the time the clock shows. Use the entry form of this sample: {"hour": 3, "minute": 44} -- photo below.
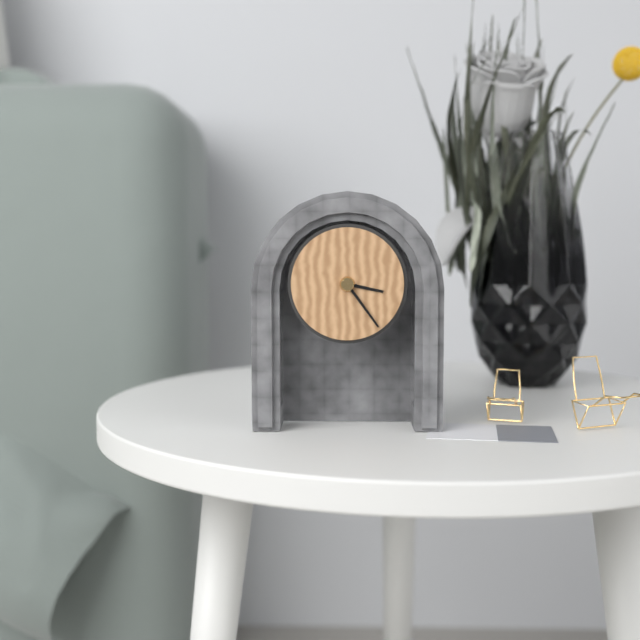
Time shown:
{"hour": 3, "minute": 24}
